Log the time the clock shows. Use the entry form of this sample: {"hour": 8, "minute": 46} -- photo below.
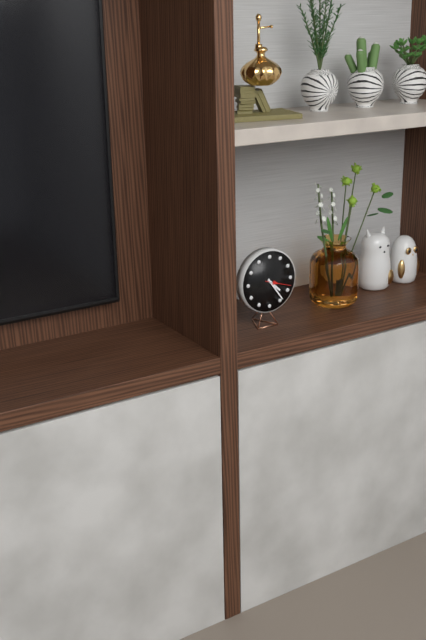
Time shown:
{"hour": 4, "minute": 24}
